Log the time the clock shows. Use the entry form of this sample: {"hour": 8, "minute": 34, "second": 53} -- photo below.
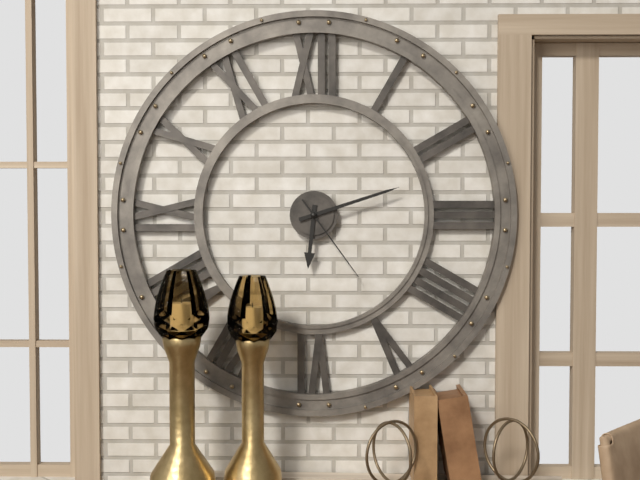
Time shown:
{"hour": 6, "minute": 12, "second": 24}
